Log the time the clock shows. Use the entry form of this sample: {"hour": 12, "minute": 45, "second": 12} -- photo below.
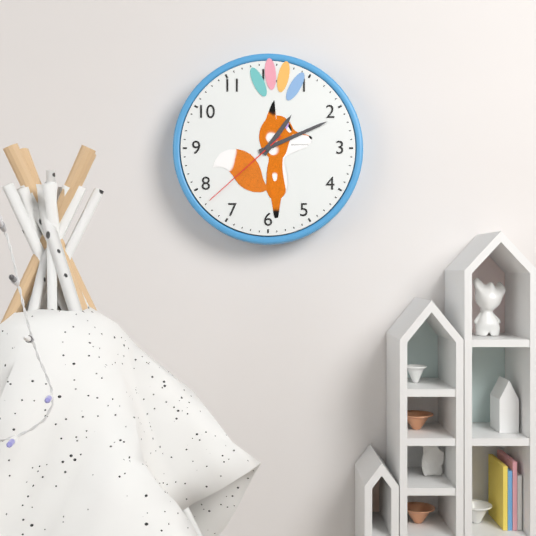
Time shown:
{"hour": 1, "minute": 11, "second": 38}
